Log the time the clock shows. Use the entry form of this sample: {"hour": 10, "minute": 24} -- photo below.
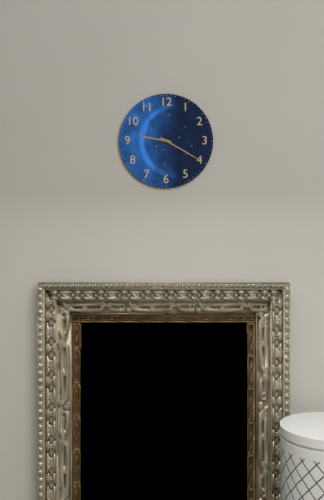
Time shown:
{"hour": 9, "minute": 20}
